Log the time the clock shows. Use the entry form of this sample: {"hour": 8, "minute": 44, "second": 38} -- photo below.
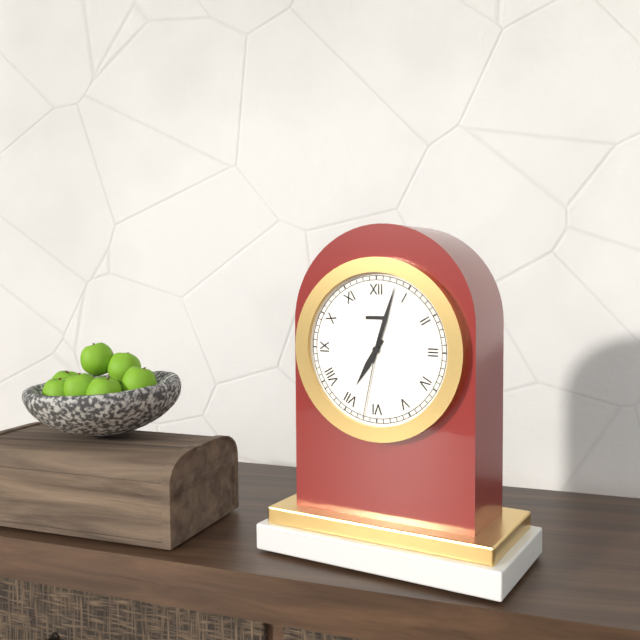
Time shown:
{"hour": 7, "minute": 3, "second": 32}
